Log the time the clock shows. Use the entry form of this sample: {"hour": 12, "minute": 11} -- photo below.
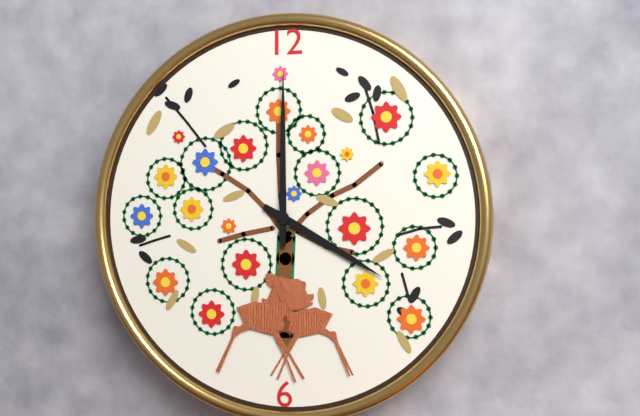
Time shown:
{"hour": 4, "minute": 0}
